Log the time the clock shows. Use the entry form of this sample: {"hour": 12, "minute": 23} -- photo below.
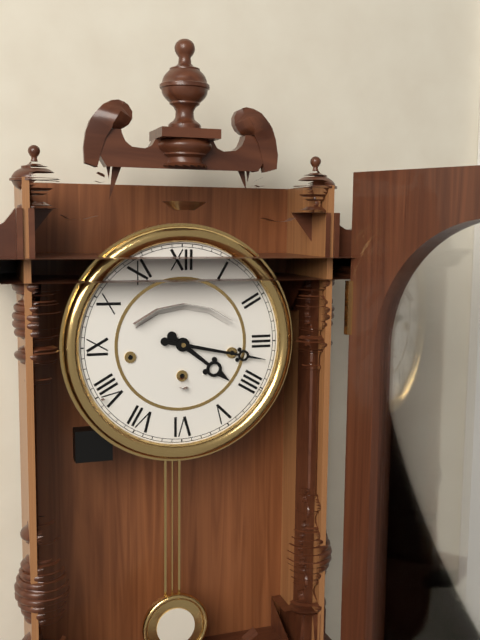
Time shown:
{"hour": 4, "minute": 17}
